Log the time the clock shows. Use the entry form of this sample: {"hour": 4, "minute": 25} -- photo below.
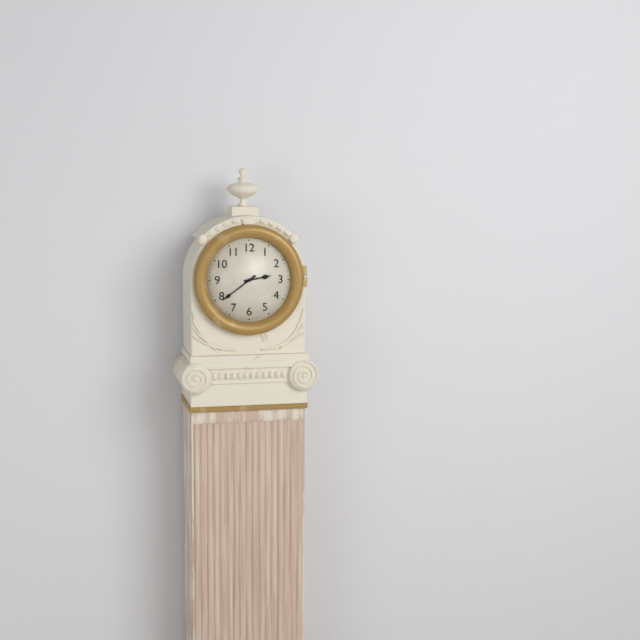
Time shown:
{"hour": 2, "minute": 39}
